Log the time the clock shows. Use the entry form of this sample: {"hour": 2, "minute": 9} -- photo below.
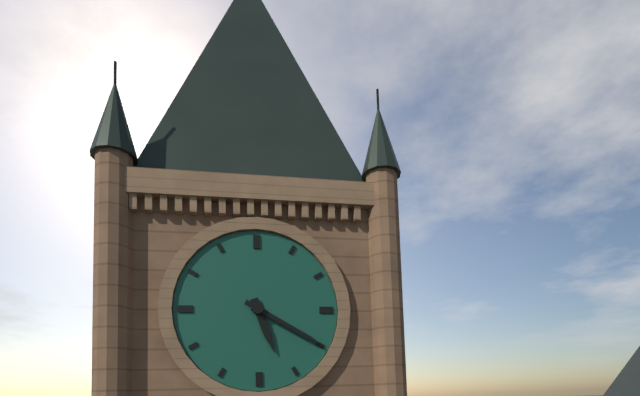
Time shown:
{"hour": 5, "minute": 20}
